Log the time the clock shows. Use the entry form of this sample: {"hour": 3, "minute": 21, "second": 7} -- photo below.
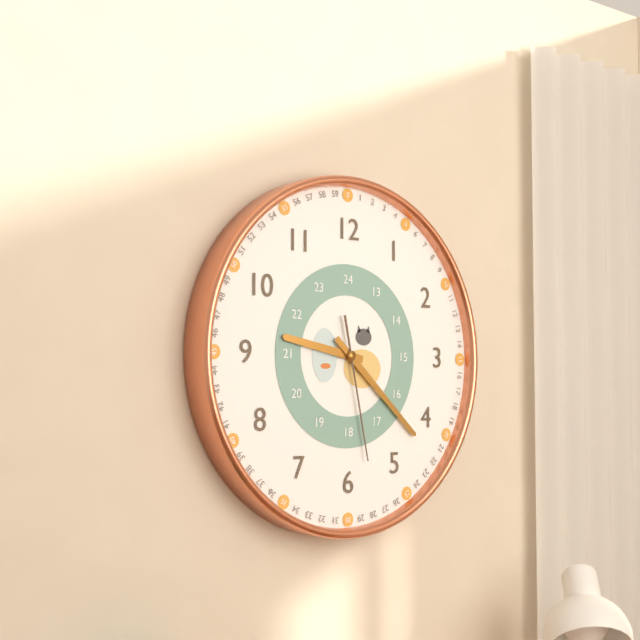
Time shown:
{"hour": 9, "minute": 22, "second": 28}
